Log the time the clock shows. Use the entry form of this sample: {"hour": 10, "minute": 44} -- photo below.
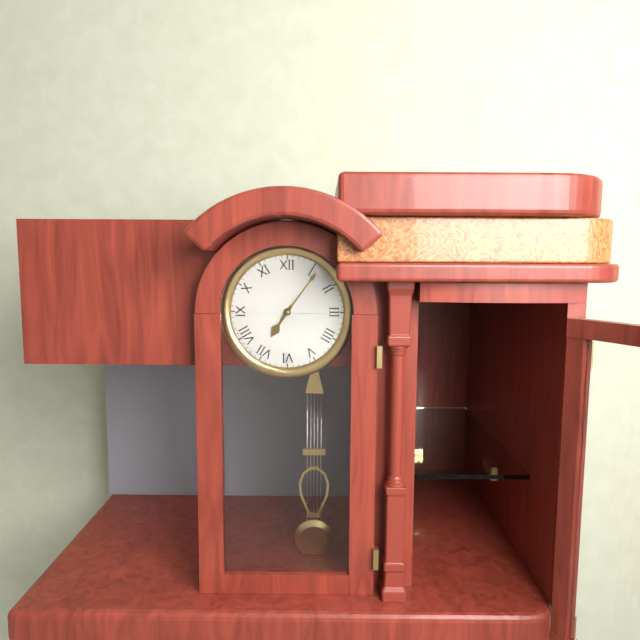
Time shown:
{"hour": 7, "minute": 6}
